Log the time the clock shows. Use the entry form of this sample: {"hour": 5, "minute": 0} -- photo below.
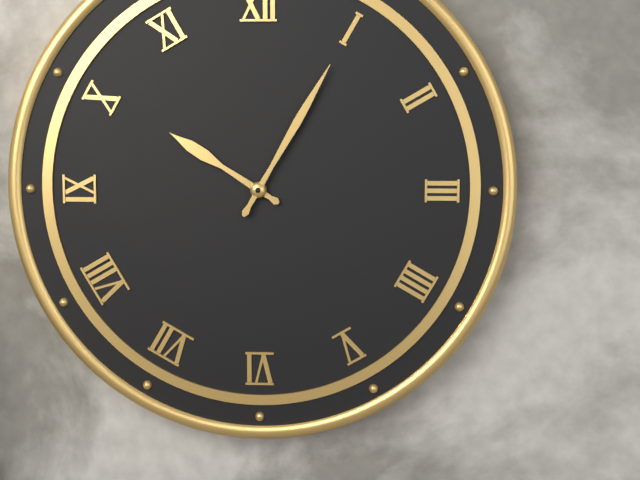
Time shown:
{"hour": 10, "minute": 5}
